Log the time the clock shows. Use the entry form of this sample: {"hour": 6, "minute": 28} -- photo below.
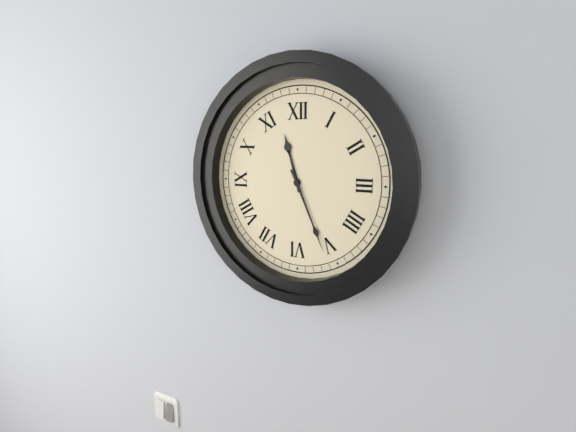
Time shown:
{"hour": 11, "minute": 26}
